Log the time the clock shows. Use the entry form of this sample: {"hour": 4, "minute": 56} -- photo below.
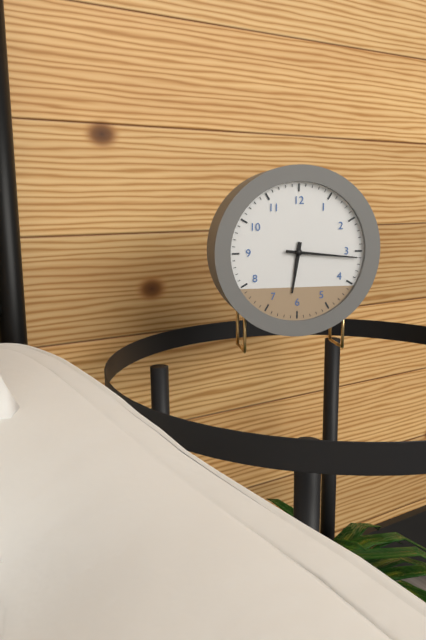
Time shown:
{"hour": 6, "minute": 16}
